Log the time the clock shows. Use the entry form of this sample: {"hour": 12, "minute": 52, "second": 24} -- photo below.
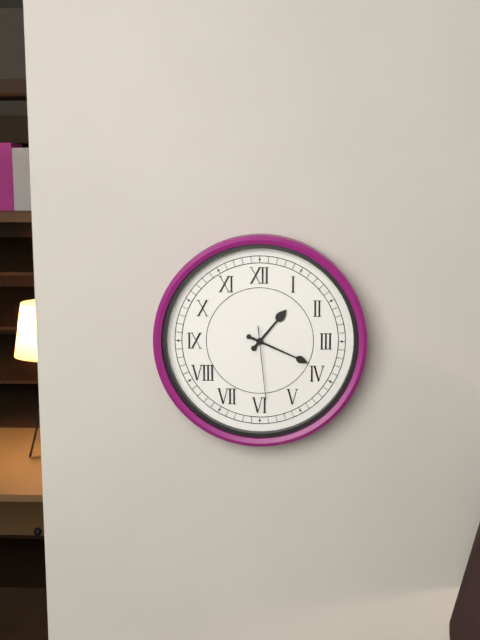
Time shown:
{"hour": 1, "minute": 19, "second": 29}
